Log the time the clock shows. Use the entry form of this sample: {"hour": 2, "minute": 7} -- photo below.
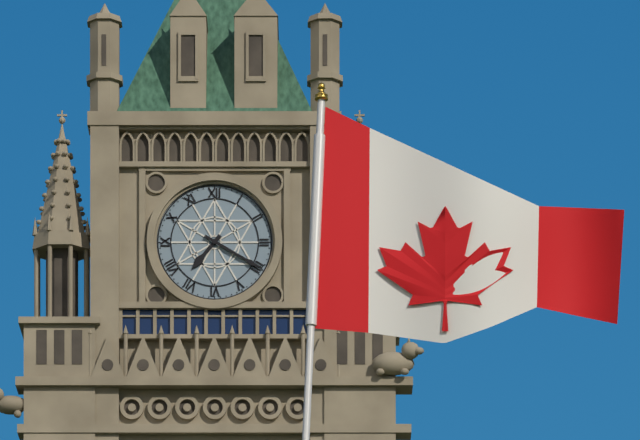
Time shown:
{"hour": 7, "minute": 20}
